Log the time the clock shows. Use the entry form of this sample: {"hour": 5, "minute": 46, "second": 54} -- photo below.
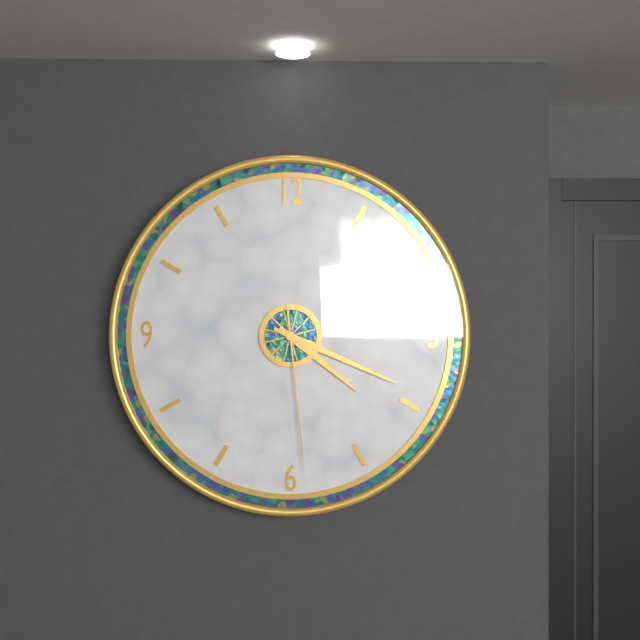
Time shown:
{"hour": 4, "minute": 19, "second": 29}
